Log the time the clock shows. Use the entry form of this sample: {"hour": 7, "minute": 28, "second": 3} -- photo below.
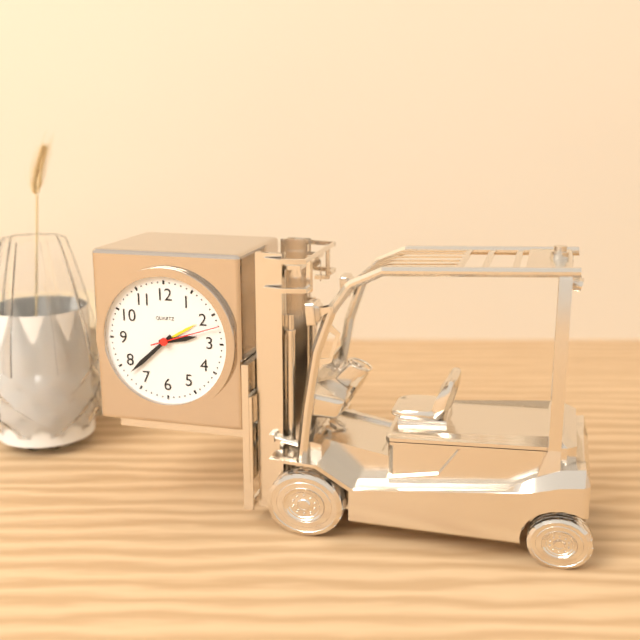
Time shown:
{"hour": 2, "minute": 38, "second": 12}
